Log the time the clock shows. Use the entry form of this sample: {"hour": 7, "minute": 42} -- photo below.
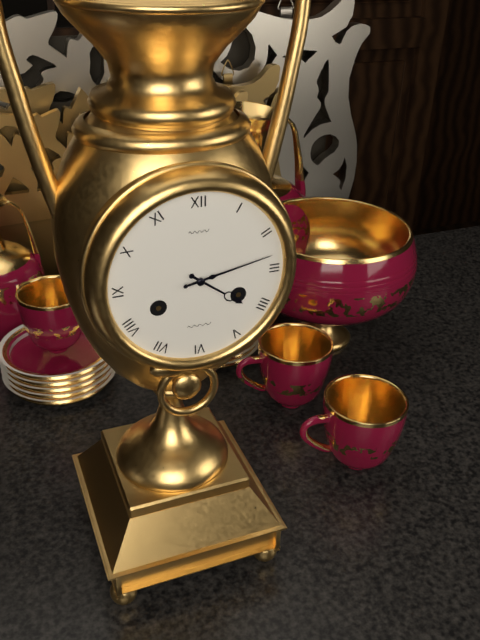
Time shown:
{"hour": 4, "minute": 13}
